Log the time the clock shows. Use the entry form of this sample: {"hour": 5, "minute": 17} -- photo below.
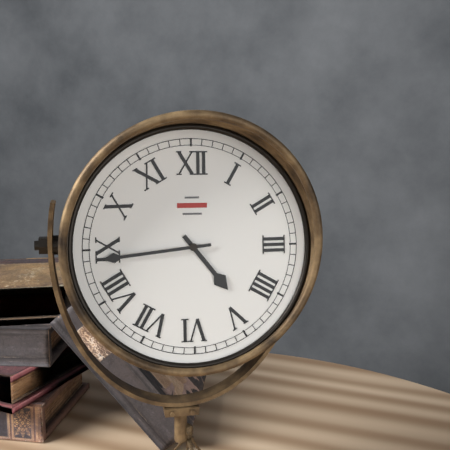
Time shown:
{"hour": 4, "minute": 44}
